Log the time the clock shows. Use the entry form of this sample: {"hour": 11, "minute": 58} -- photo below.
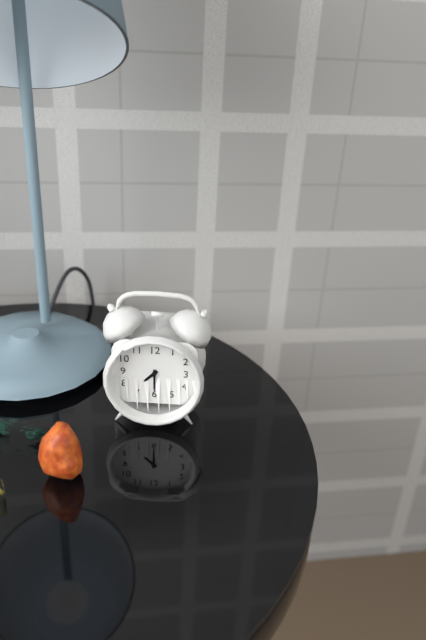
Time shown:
{"hour": 7, "minute": 30}
